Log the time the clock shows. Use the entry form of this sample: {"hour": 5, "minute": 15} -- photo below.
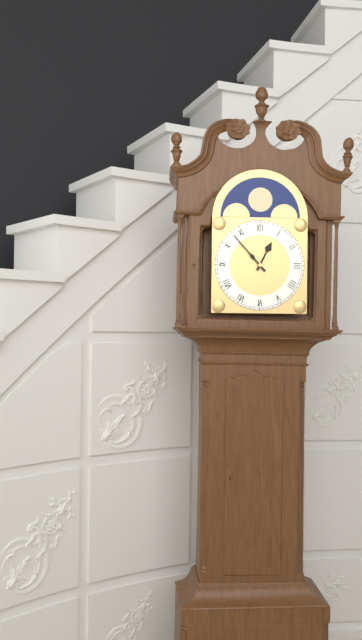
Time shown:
{"hour": 12, "minute": 53}
